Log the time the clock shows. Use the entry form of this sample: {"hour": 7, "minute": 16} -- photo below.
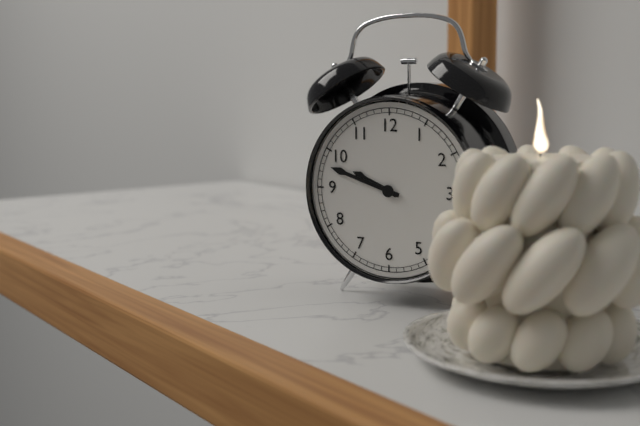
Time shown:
{"hour": 9, "minute": 48}
